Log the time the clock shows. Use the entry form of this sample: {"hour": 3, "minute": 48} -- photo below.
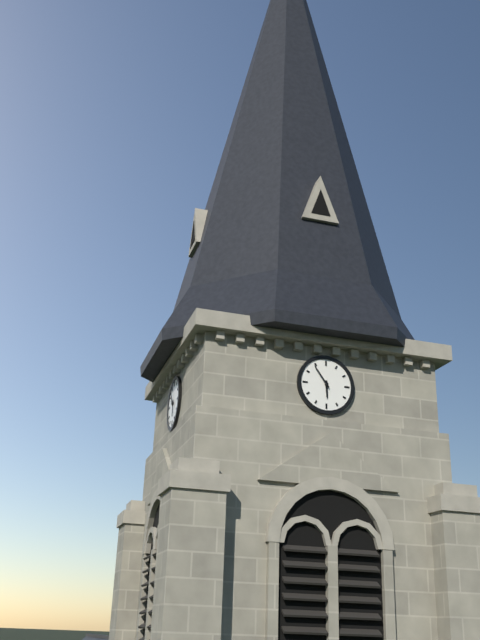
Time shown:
{"hour": 5, "minute": 54}
